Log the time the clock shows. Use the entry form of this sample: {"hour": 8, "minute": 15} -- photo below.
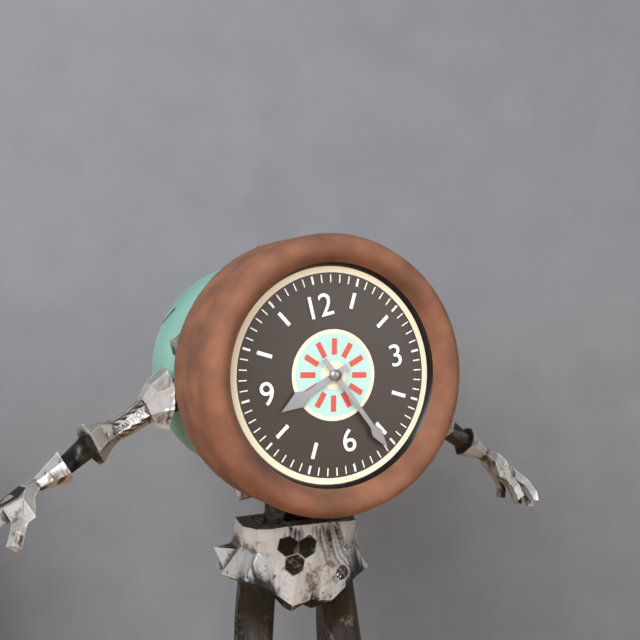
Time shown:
{"hour": 8, "minute": 26}
